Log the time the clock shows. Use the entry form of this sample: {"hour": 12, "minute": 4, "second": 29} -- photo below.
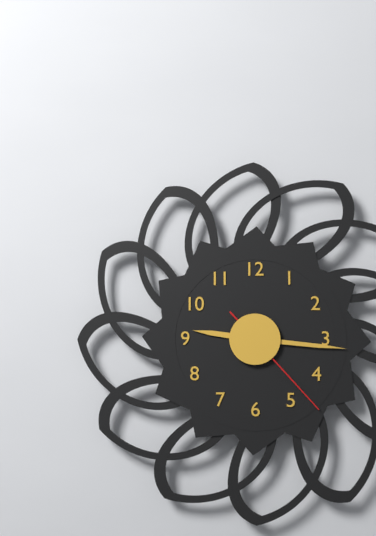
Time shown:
{"hour": 9, "minute": 16, "second": 23}
